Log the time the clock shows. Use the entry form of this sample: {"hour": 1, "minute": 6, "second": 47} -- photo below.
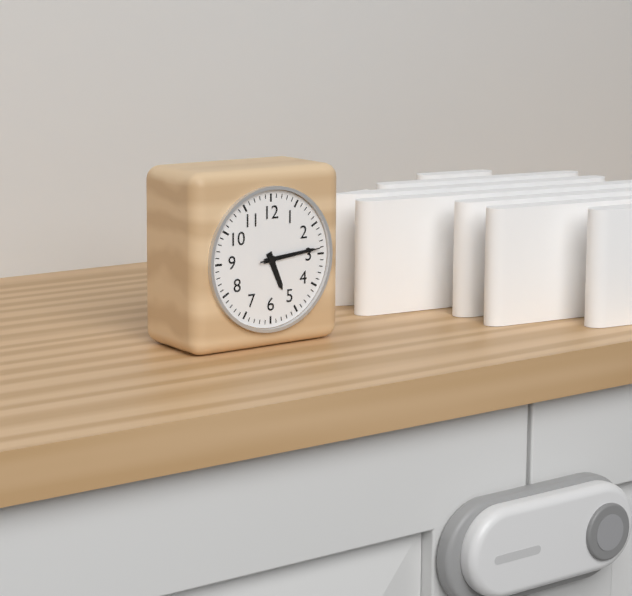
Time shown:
{"hour": 5, "minute": 14, "second": 14}
